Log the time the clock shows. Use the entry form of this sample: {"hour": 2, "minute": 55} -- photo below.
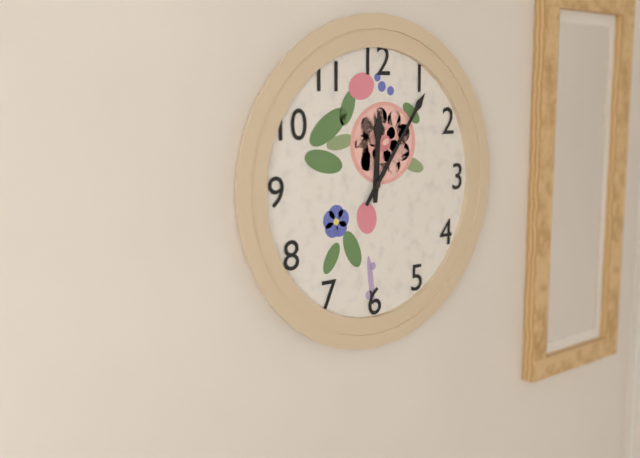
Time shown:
{"hour": 12, "minute": 6}
